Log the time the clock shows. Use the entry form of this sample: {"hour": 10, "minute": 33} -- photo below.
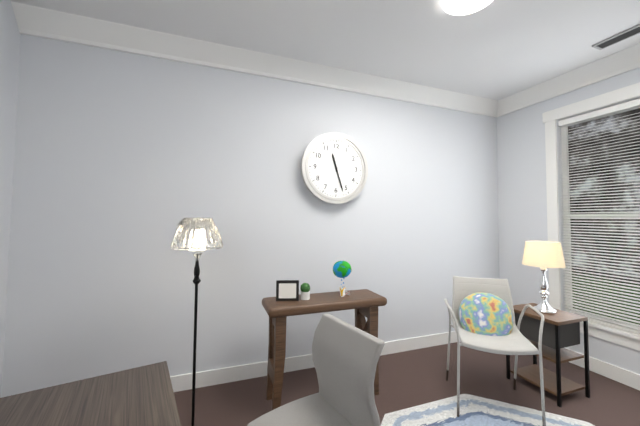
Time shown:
{"hour": 11, "minute": 27}
